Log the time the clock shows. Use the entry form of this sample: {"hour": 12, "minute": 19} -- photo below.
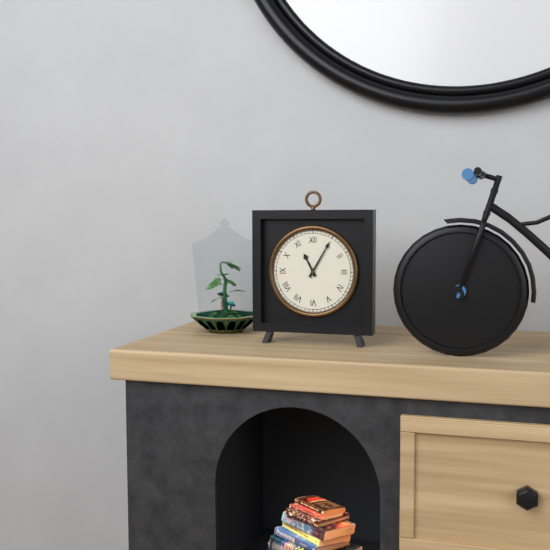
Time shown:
{"hour": 11, "minute": 5}
